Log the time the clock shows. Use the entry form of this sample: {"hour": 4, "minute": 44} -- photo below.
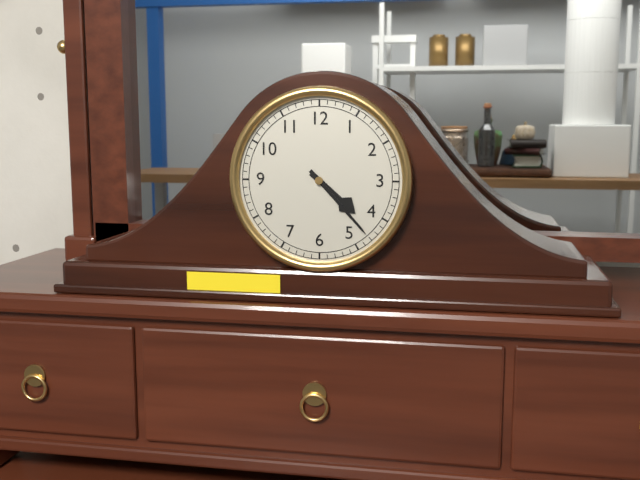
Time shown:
{"hour": 4, "minute": 23}
